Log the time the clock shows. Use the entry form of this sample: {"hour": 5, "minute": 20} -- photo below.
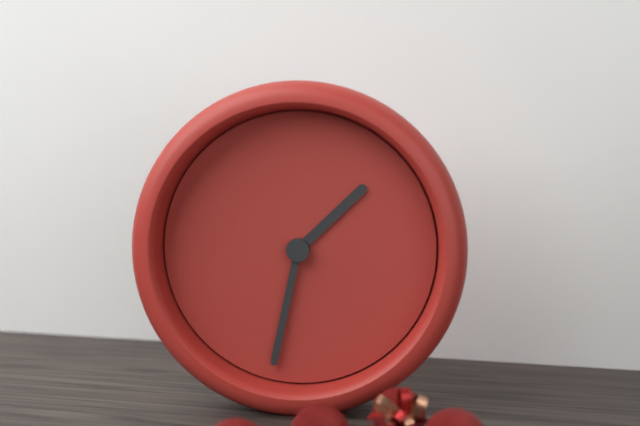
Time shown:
{"hour": 1, "minute": 32}
